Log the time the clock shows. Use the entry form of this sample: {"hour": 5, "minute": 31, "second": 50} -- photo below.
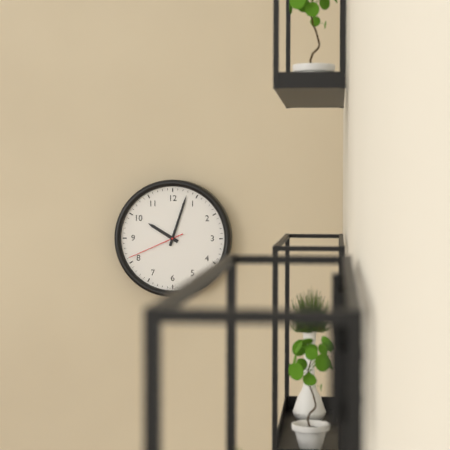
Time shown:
{"hour": 10, "minute": 3, "second": 41}
